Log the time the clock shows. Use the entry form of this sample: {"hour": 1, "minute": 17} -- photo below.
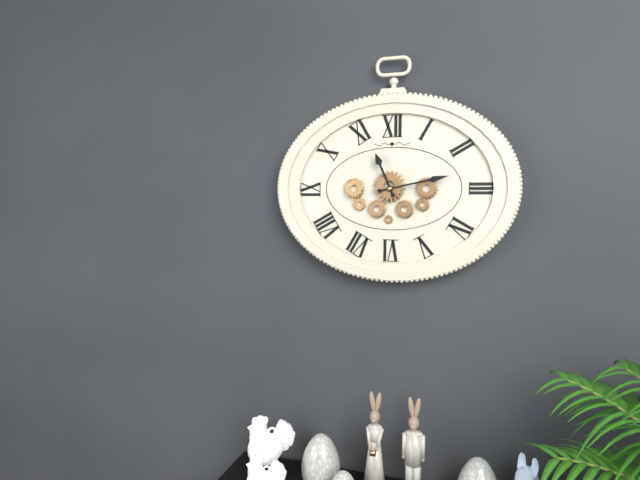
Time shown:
{"hour": 11, "minute": 13}
